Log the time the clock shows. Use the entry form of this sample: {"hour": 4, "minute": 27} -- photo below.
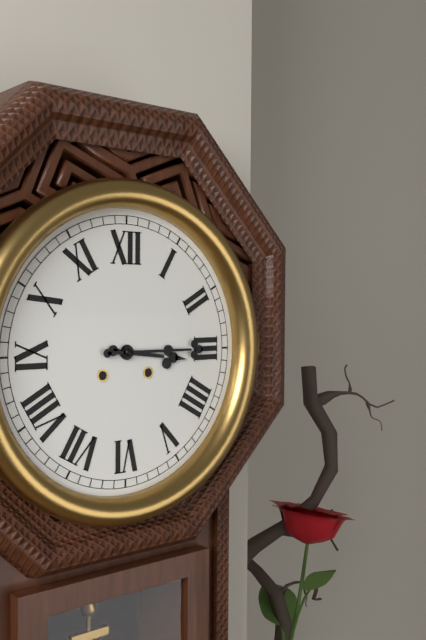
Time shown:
{"hour": 3, "minute": 15}
